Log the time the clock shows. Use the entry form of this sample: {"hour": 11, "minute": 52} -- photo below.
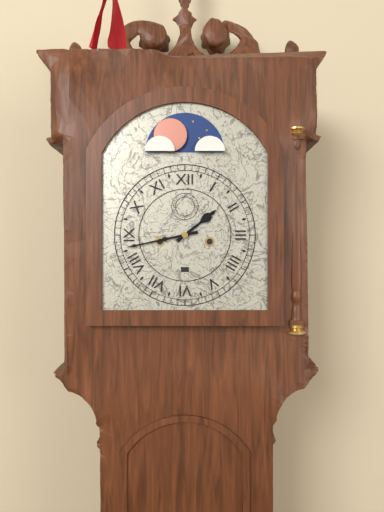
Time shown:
{"hour": 1, "minute": 43}
